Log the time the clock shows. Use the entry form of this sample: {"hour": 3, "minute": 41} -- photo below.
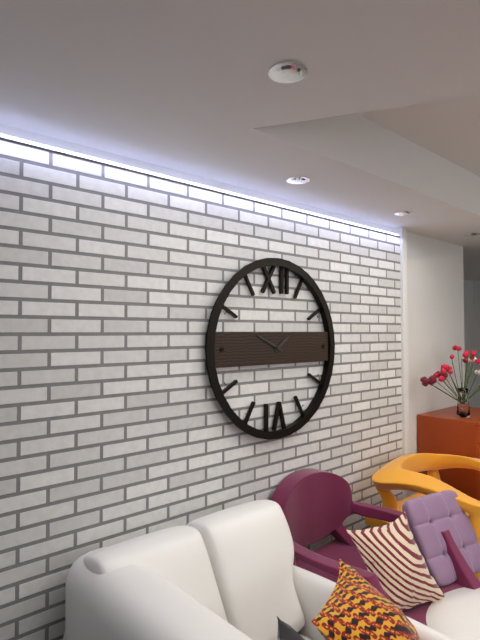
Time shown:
{"hour": 1, "minute": 49}
